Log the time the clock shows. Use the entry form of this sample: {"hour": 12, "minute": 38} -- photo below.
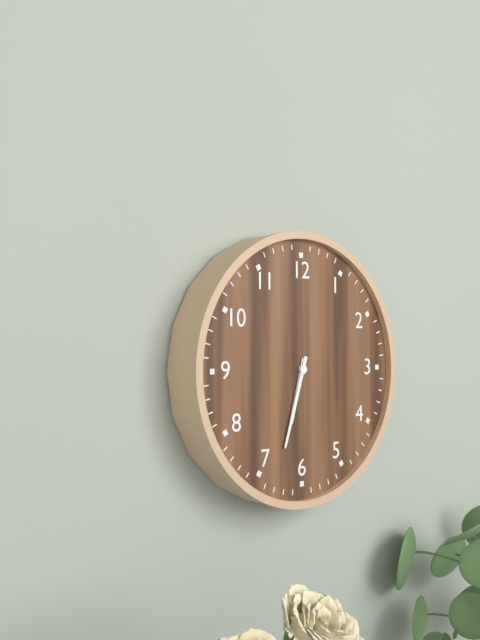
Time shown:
{"hour": 6, "minute": 33}
